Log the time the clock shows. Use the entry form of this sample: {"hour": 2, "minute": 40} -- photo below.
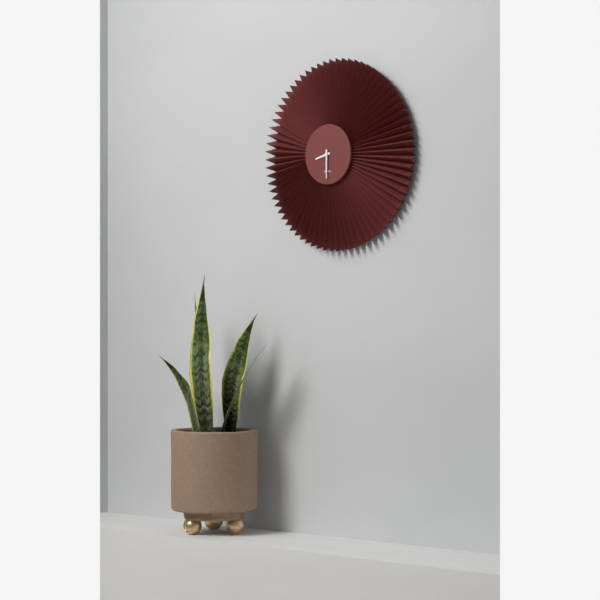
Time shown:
{"hour": 8, "minute": 30}
